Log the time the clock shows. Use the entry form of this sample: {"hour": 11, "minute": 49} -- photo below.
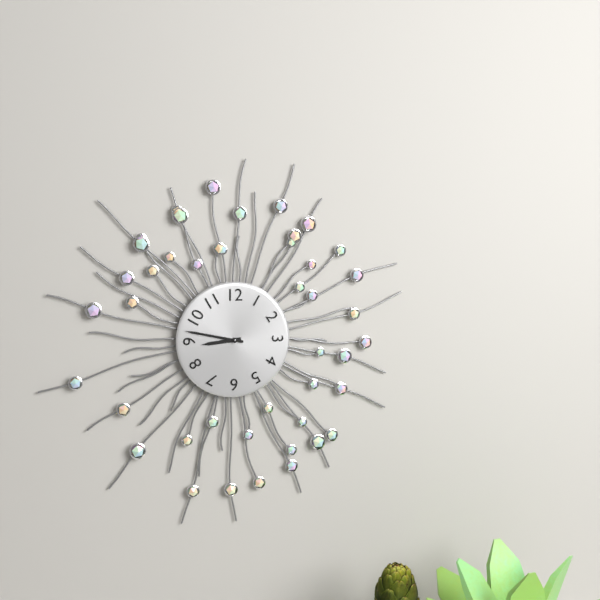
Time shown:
{"hour": 8, "minute": 47}
